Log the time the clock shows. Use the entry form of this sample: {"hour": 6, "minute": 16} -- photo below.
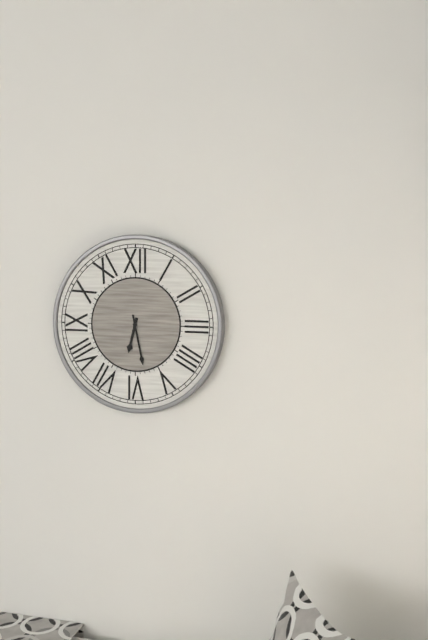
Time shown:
{"hour": 6, "minute": 28}
